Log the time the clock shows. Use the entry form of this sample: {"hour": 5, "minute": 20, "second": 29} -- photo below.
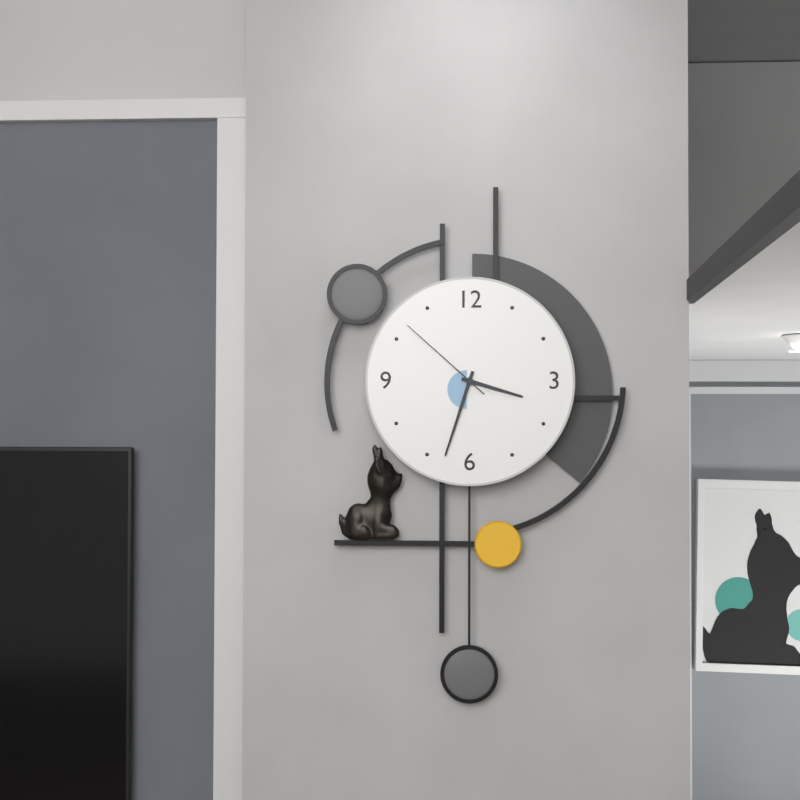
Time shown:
{"hour": 3, "minute": 33, "second": 52}
